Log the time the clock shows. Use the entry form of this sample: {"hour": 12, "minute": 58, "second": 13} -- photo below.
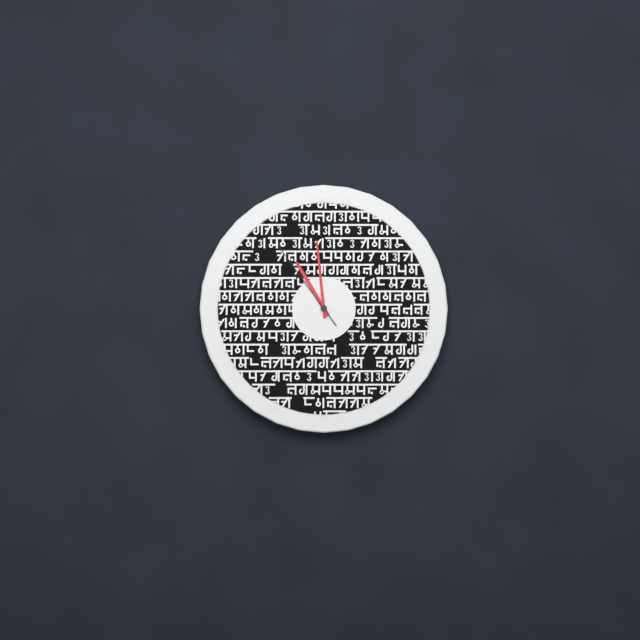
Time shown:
{"hour": 10, "minute": 59, "second": 54}
